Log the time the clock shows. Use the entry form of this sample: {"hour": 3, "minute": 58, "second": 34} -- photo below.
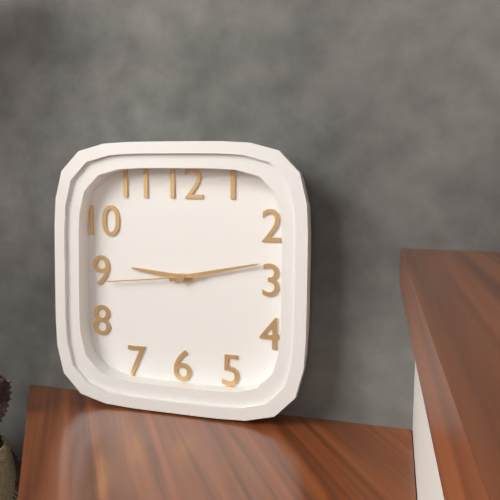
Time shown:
{"hour": 9, "minute": 13, "second": 44}
